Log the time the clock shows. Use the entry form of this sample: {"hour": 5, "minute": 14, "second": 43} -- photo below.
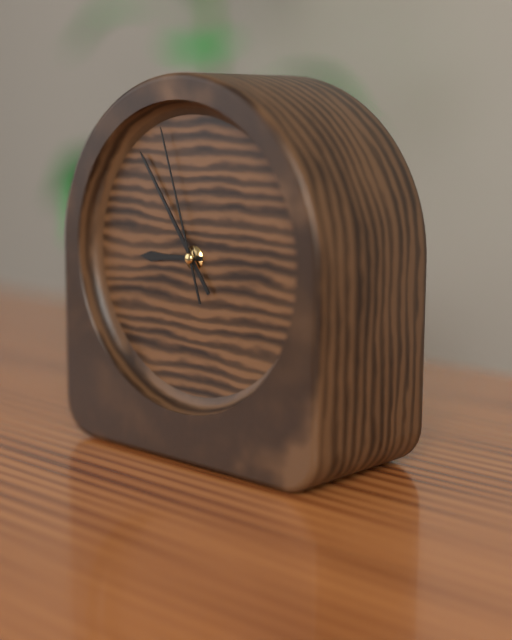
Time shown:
{"hour": 8, "minute": 54, "second": 57}
